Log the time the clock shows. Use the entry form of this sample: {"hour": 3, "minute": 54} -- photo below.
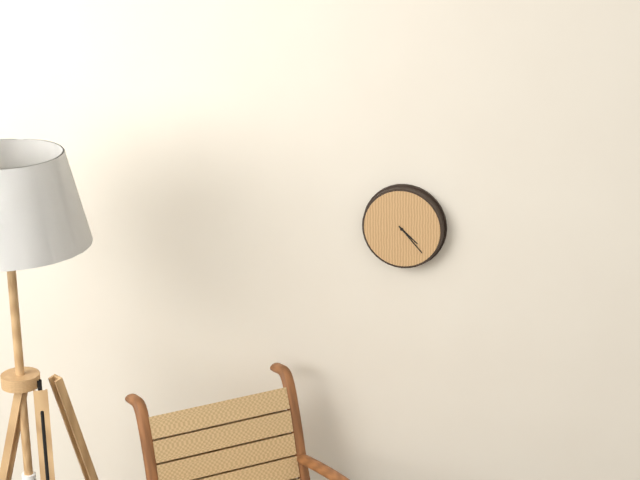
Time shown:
{"hour": 4, "minute": 23}
